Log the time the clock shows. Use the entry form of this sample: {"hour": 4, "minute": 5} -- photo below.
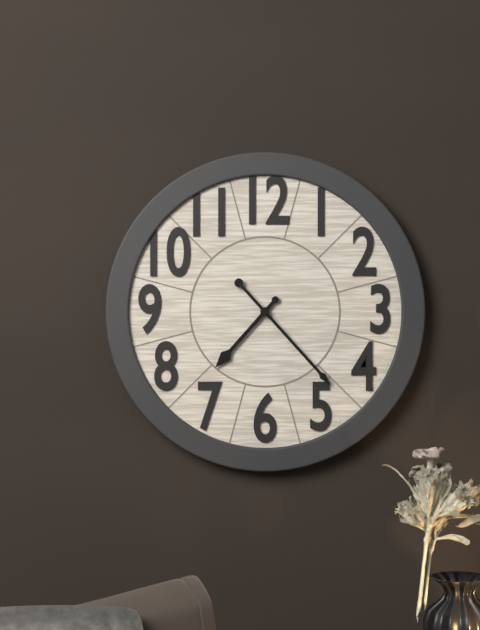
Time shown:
{"hour": 7, "minute": 23}
